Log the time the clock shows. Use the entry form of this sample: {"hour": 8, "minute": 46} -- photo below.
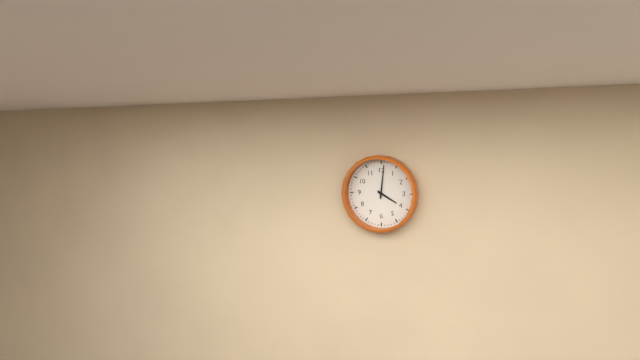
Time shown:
{"hour": 4, "minute": 1}
